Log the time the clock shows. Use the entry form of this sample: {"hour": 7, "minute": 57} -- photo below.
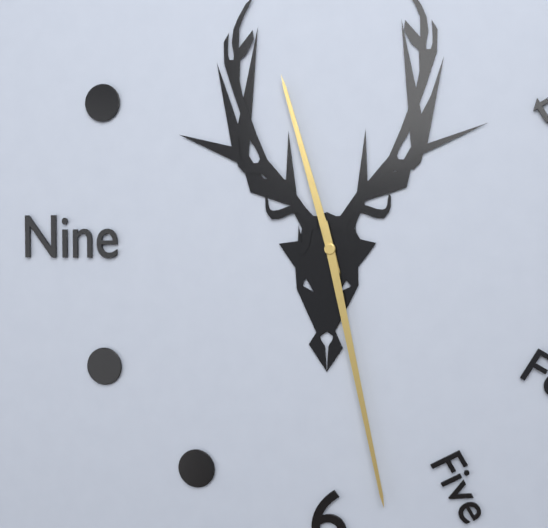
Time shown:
{"hour": 11, "minute": 28}
